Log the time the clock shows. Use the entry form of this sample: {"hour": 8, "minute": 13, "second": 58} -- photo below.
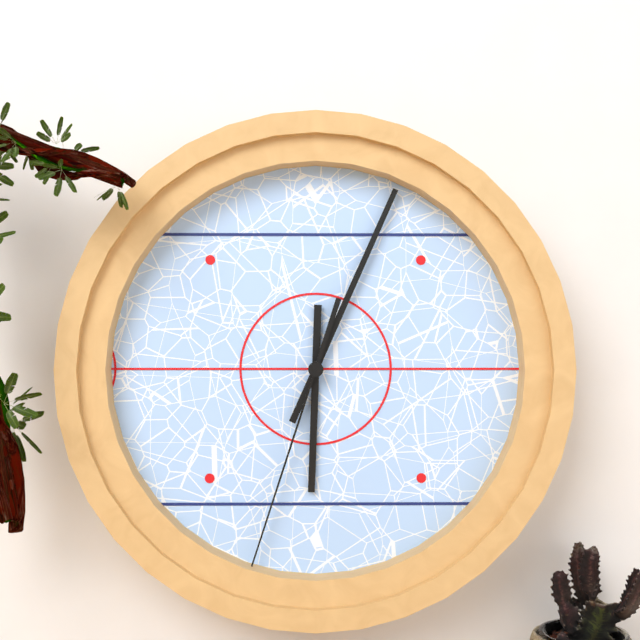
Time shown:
{"hour": 6, "minute": 4, "second": 33}
